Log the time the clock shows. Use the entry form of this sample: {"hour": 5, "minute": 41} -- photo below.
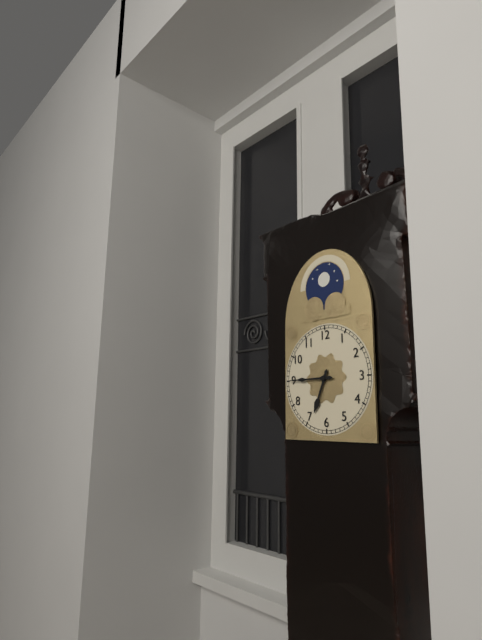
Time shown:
{"hour": 6, "minute": 45}
